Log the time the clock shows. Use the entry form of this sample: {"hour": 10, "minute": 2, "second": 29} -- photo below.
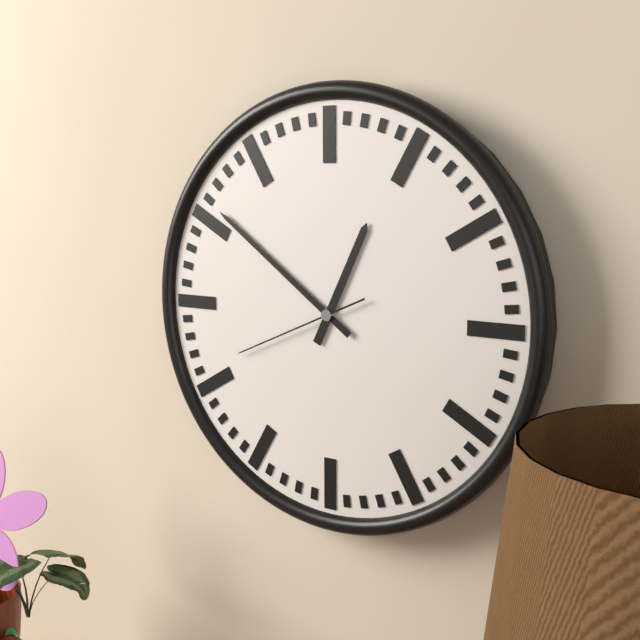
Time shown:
{"hour": 12, "minute": 51, "second": 41}
